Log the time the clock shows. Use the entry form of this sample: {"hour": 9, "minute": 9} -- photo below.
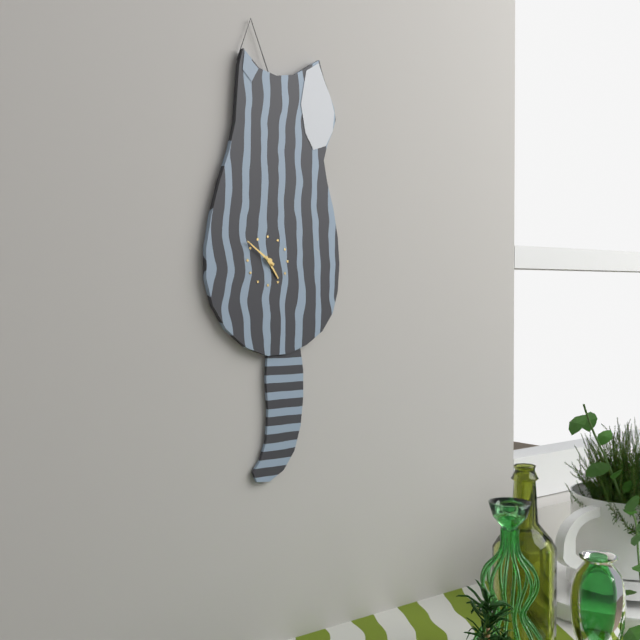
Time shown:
{"hour": 4, "minute": 51}
